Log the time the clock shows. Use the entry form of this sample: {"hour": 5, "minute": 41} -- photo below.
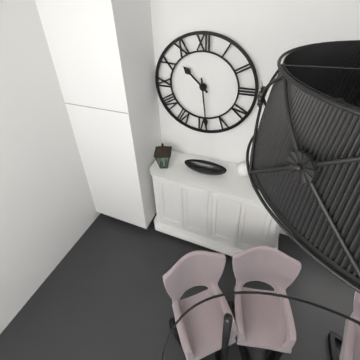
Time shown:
{"hour": 10, "minute": 29}
